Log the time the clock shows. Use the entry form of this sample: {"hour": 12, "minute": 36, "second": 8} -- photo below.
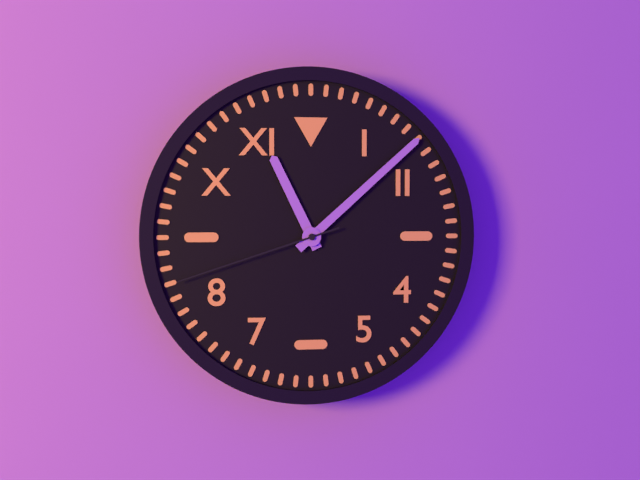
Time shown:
{"hour": 11, "minute": 8, "second": 42}
